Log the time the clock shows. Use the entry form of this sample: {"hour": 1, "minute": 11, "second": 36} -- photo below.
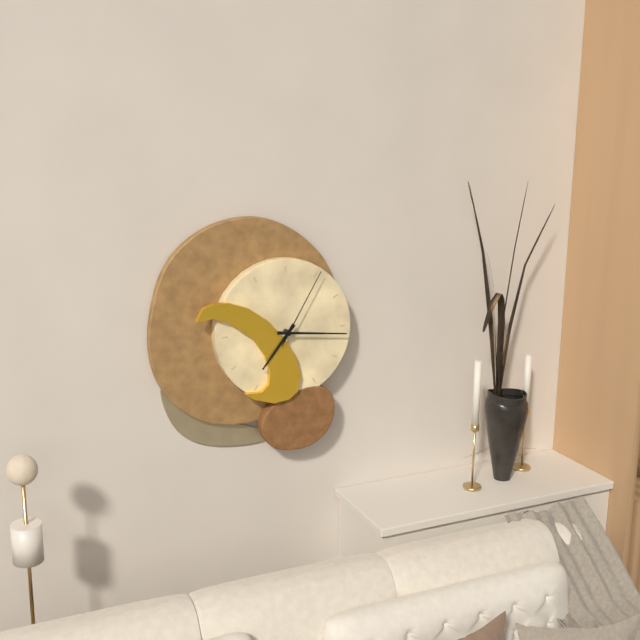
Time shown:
{"hour": 7, "minute": 16, "second": 5}
